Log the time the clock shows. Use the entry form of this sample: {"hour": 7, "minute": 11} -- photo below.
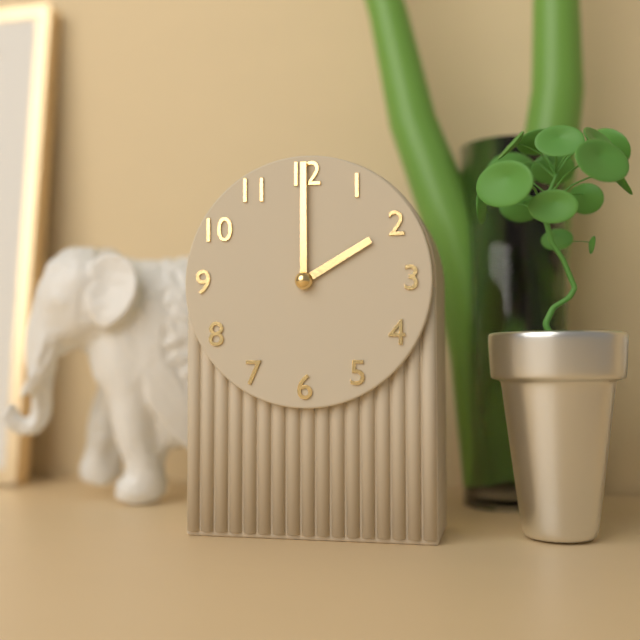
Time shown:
{"hour": 2, "minute": 0}
